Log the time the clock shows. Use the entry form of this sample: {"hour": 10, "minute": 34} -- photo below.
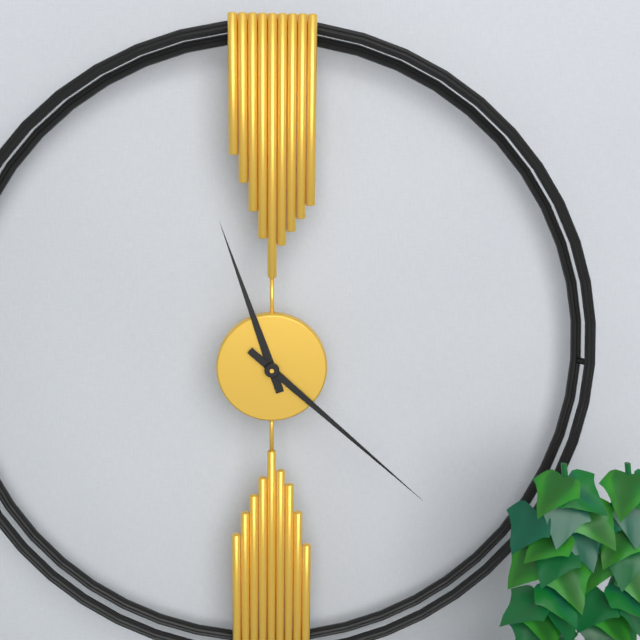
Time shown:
{"hour": 11, "minute": 22}
